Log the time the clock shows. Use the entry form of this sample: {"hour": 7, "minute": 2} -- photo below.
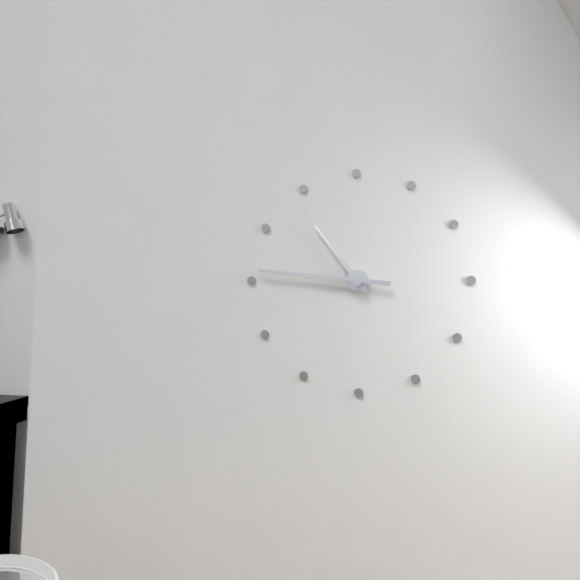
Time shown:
{"hour": 10, "minute": 46}
